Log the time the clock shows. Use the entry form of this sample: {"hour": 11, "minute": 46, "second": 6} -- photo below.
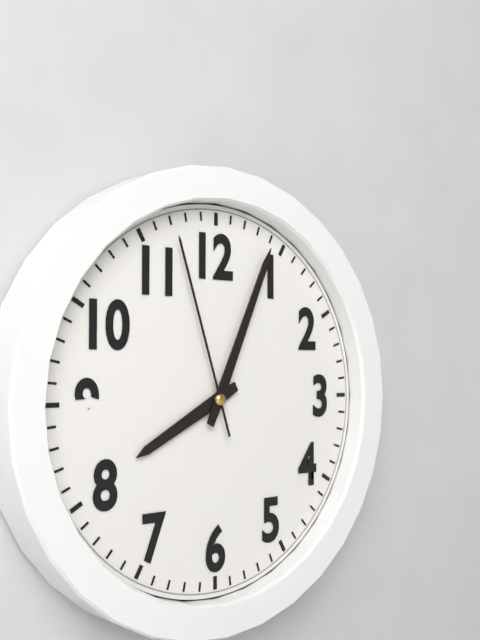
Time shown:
{"hour": 8, "minute": 4, "second": 57}
